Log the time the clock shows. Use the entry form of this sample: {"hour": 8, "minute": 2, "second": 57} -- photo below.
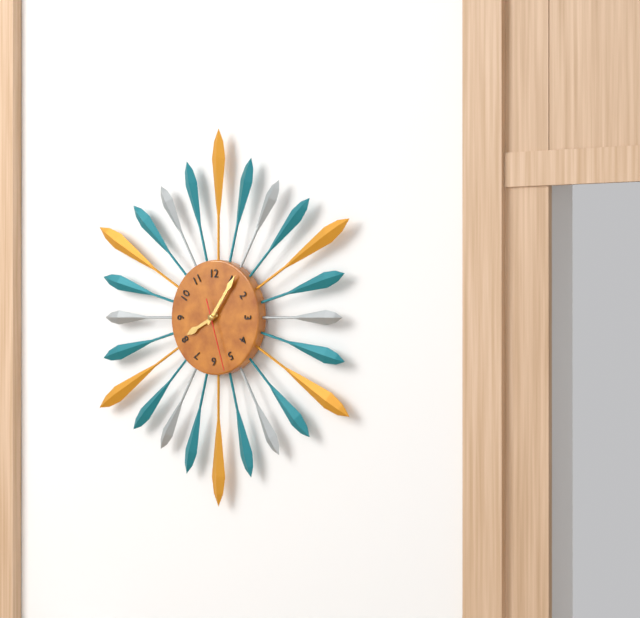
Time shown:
{"hour": 8, "minute": 6, "second": 27}
